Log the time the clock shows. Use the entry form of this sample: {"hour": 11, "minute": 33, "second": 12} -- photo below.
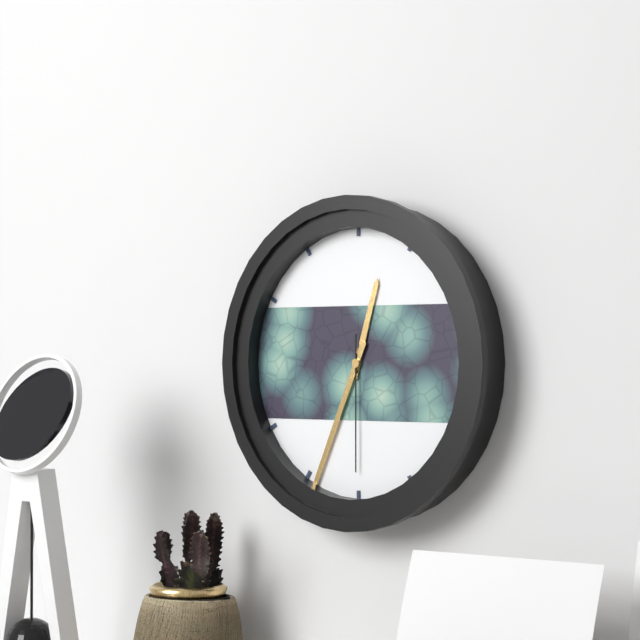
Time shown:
{"hour": 12, "minute": 34, "second": 30}
